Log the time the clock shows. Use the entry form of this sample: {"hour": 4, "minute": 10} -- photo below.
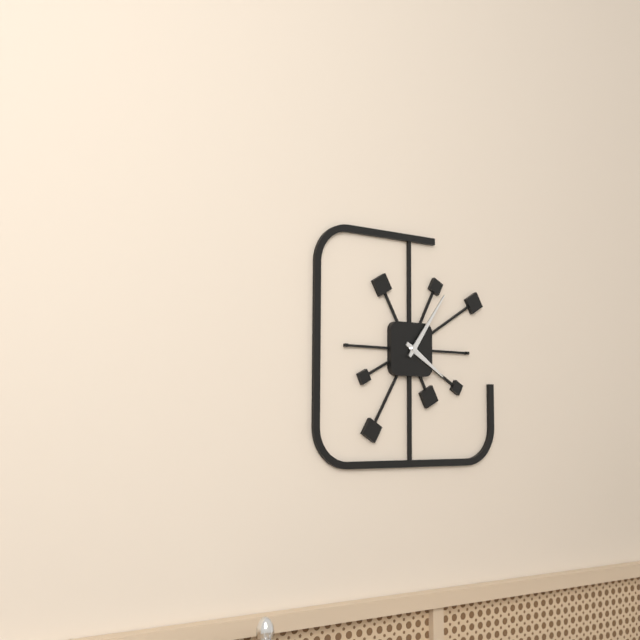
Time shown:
{"hour": 4, "minute": 6}
